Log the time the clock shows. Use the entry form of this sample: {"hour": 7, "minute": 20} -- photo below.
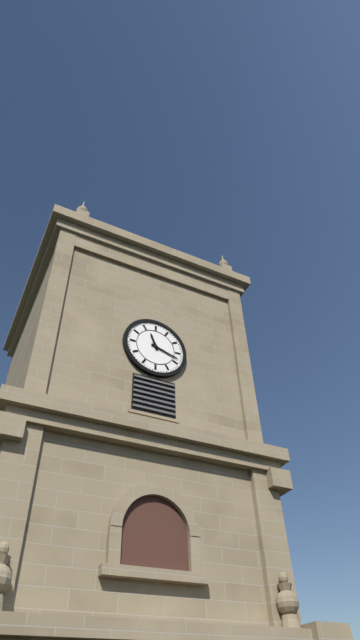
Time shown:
{"hour": 11, "minute": 18}
